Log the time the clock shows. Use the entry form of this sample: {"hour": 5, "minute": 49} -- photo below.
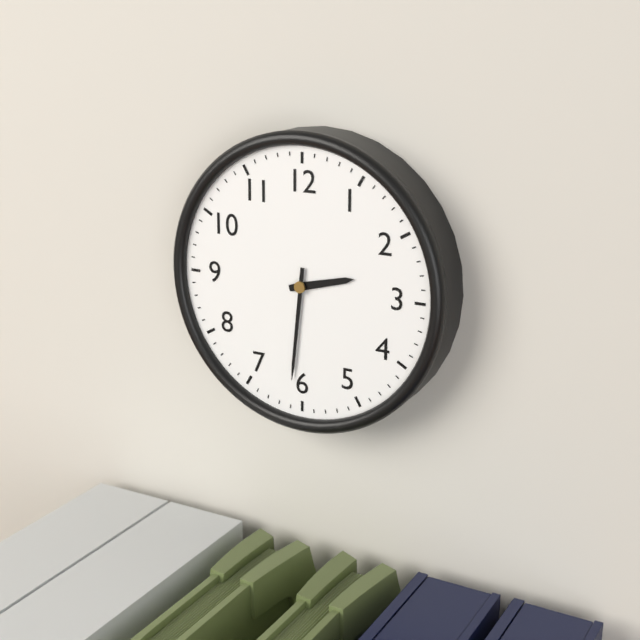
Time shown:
{"hour": 2, "minute": 31}
